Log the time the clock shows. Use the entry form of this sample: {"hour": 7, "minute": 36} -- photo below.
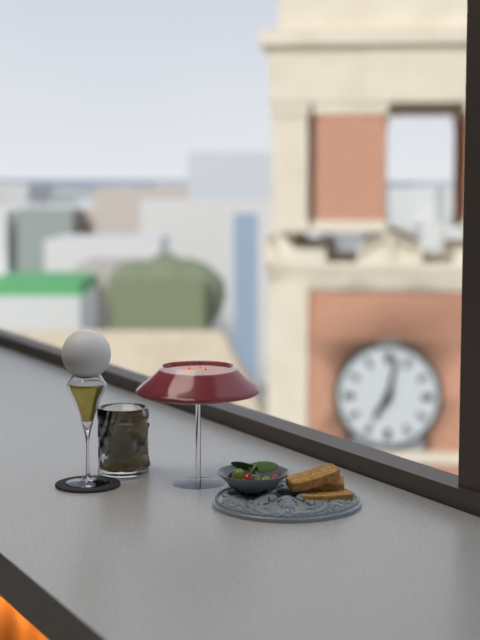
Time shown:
{"hour": 7, "minute": 2}
